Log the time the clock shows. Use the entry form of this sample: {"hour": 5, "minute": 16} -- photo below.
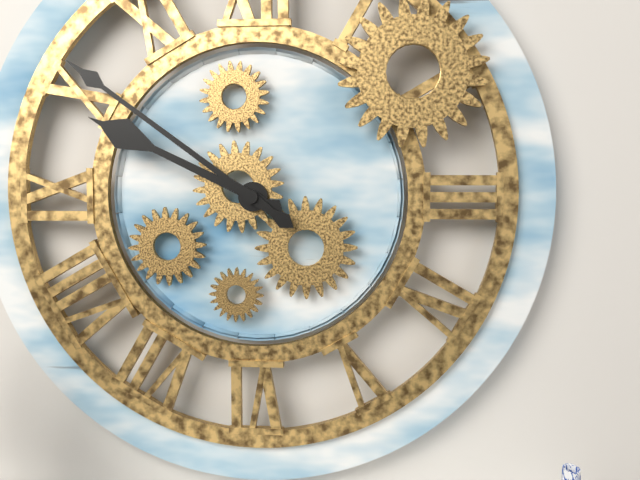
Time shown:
{"hour": 9, "minute": 51}
